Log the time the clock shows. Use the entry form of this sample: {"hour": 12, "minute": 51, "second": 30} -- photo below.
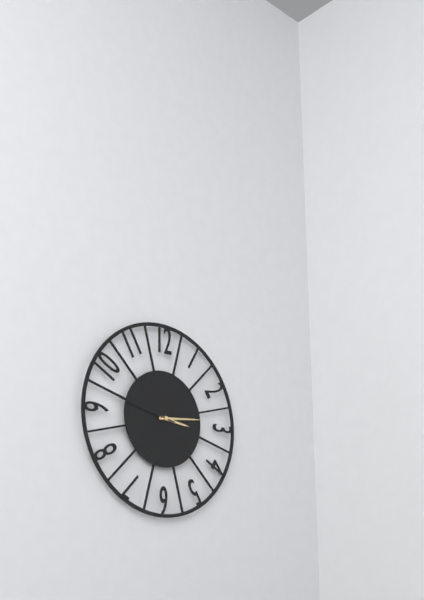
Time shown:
{"hour": 3, "minute": 14, "second": 47}
